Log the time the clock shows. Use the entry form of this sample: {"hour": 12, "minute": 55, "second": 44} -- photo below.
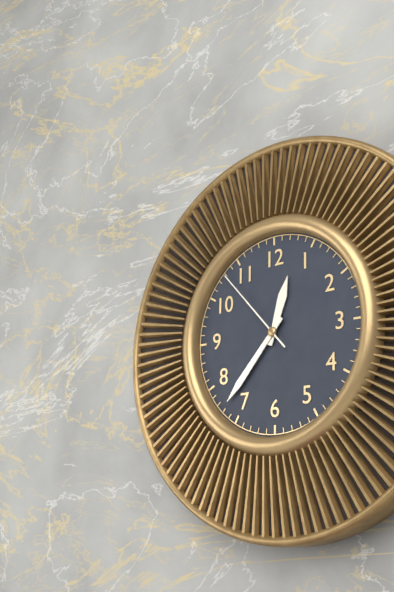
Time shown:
{"hour": 12, "minute": 37, "second": 53}
